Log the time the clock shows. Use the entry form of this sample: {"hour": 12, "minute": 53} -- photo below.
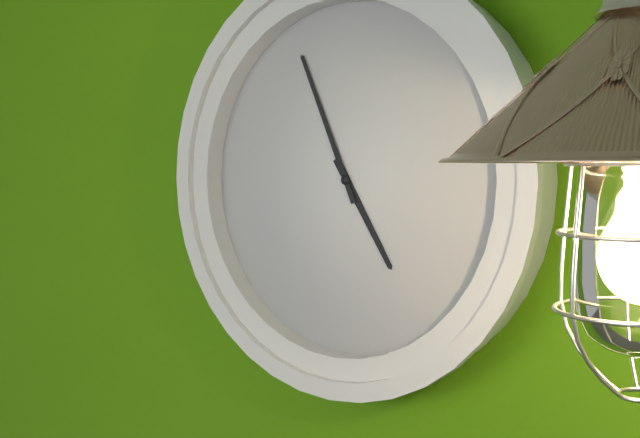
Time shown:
{"hour": 4, "minute": 56}
